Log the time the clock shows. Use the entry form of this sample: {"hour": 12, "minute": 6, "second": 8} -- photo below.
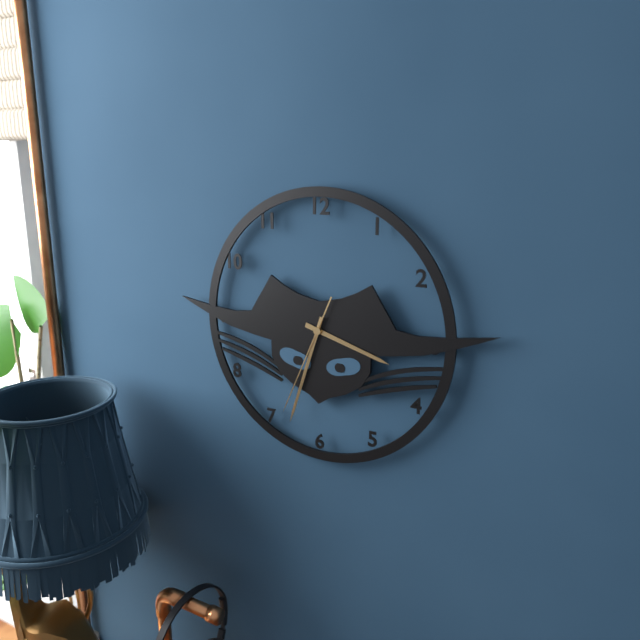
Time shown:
{"hour": 3, "minute": 33, "second": 34}
